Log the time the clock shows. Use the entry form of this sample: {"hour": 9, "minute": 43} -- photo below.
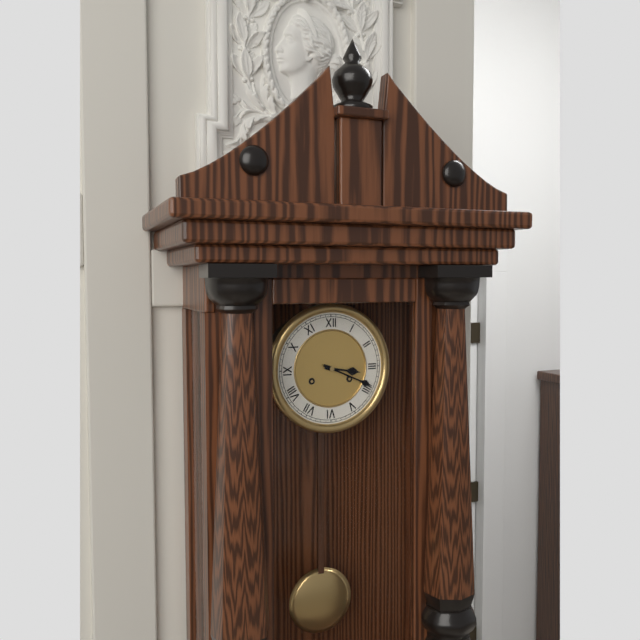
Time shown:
{"hour": 3, "minute": 19}
